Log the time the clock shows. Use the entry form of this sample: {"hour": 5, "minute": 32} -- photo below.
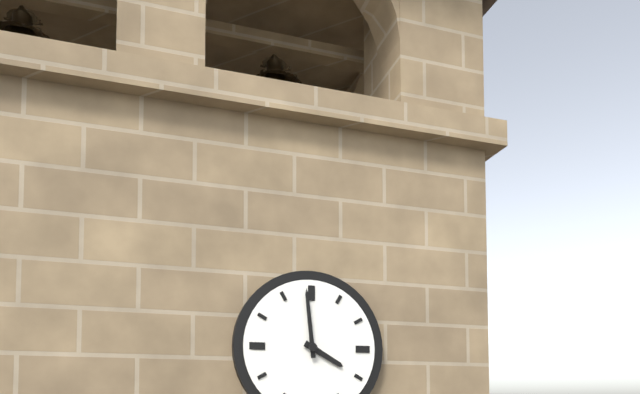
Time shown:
{"hour": 3, "minute": 59}
